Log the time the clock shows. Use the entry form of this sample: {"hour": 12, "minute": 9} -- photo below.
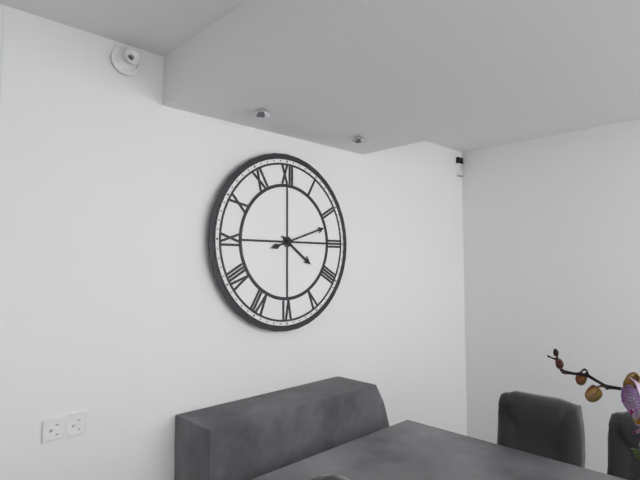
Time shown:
{"hour": 4, "minute": 12}
